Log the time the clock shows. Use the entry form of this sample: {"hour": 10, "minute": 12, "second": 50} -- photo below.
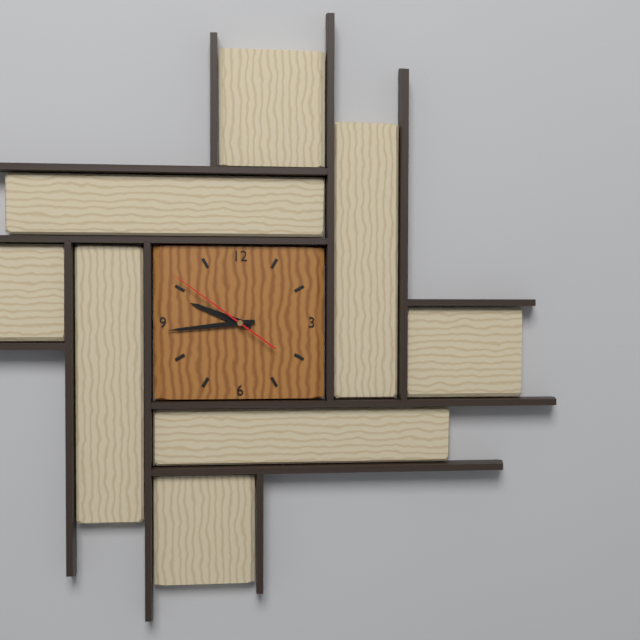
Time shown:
{"hour": 9, "minute": 44, "second": 51}
